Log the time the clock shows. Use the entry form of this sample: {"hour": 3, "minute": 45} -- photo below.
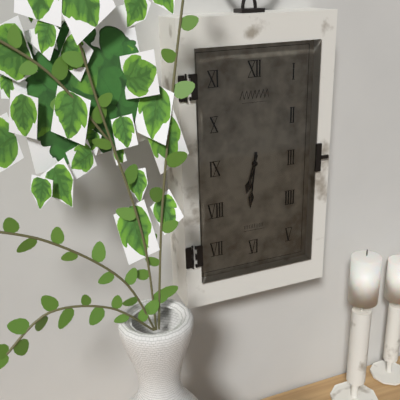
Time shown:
{"hour": 6, "minute": 31}
